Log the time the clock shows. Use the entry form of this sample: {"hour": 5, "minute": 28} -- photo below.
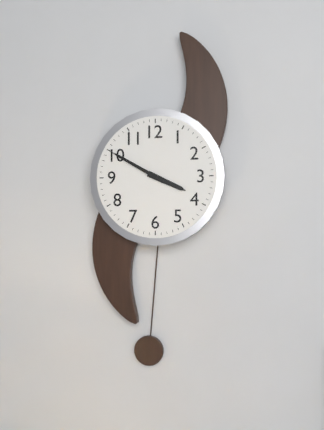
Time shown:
{"hour": 3, "minute": 50}
